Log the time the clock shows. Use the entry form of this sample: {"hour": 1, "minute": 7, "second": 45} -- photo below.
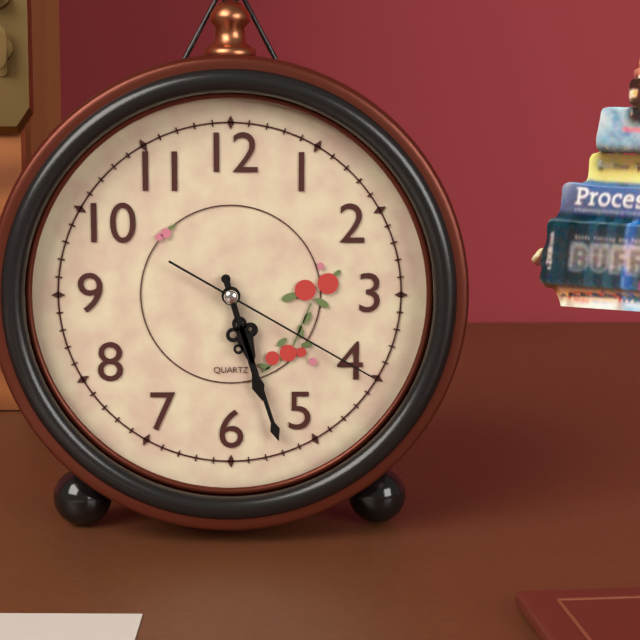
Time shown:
{"hour": 5, "minute": 27, "second": 20}
